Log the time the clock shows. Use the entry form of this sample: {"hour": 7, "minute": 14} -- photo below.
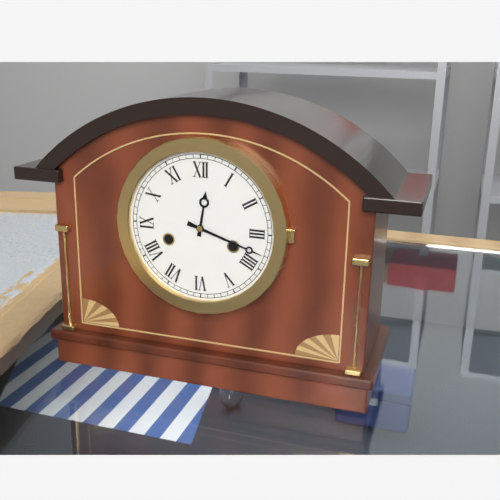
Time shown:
{"hour": 12, "minute": 18}
